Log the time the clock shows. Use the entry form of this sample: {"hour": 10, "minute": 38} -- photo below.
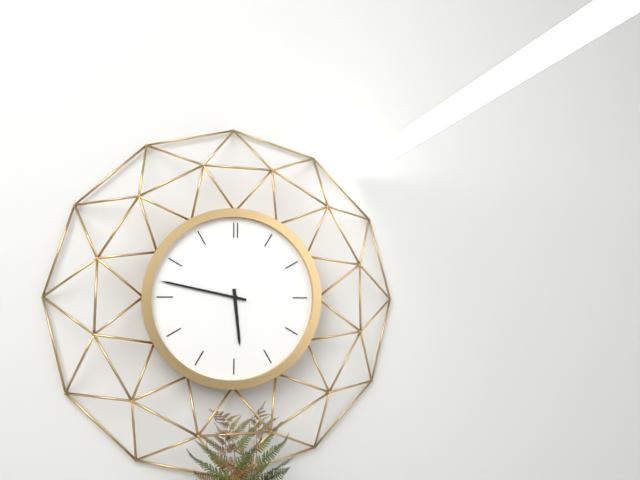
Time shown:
{"hour": 5, "minute": 47}
